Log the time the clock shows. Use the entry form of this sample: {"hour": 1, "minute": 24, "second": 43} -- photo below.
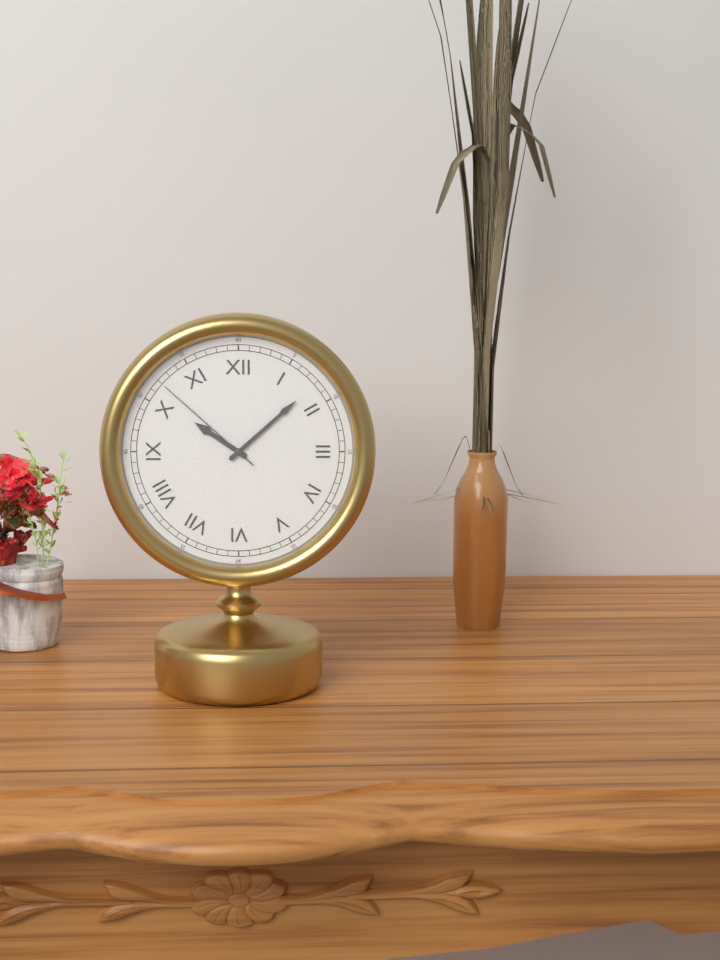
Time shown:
{"hour": 10, "minute": 8, "second": 52}
